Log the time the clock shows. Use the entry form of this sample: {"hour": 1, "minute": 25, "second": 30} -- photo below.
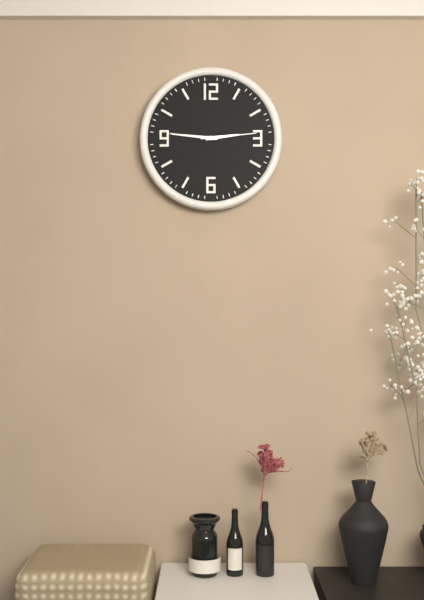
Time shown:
{"hour": 2, "minute": 46, "second": 14}
